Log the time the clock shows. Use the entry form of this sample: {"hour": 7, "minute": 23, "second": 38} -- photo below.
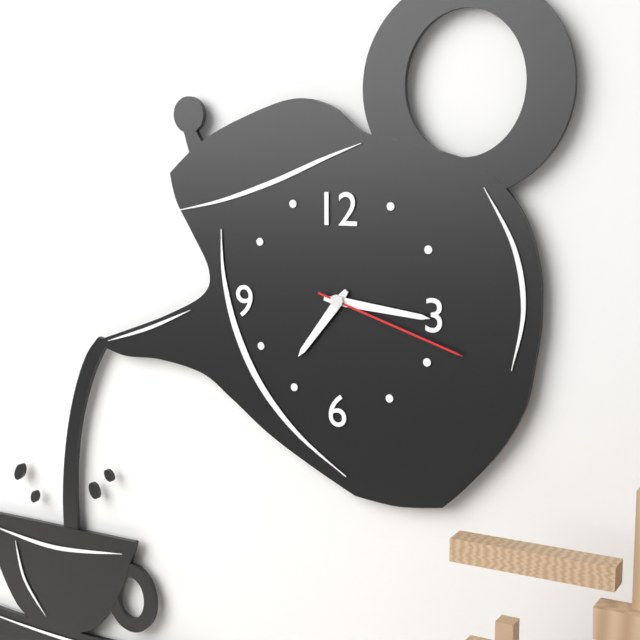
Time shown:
{"hour": 7, "minute": 16, "second": 18}
